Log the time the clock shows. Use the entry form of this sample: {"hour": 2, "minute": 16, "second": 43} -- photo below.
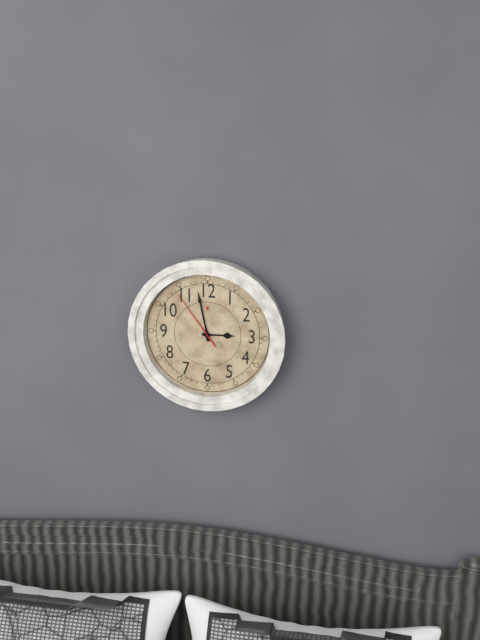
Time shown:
{"hour": 2, "minute": 58, "second": 54}
